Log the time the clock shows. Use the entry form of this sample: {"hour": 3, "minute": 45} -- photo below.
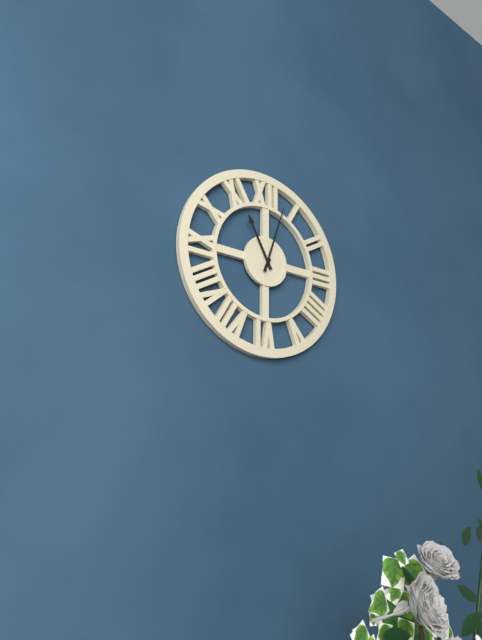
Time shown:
{"hour": 11, "minute": 3}
